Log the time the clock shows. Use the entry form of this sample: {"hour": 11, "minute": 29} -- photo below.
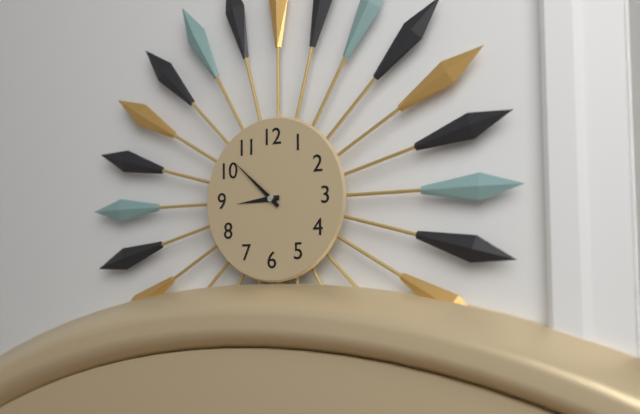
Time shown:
{"hour": 8, "minute": 52}
